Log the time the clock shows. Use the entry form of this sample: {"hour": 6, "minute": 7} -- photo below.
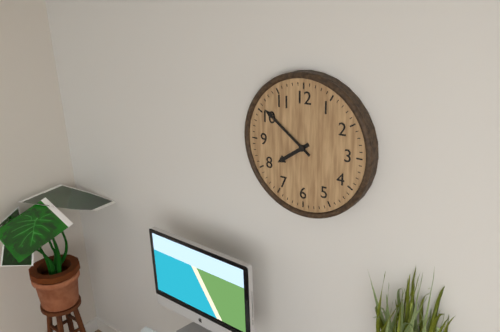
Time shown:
{"hour": 7, "minute": 51}
